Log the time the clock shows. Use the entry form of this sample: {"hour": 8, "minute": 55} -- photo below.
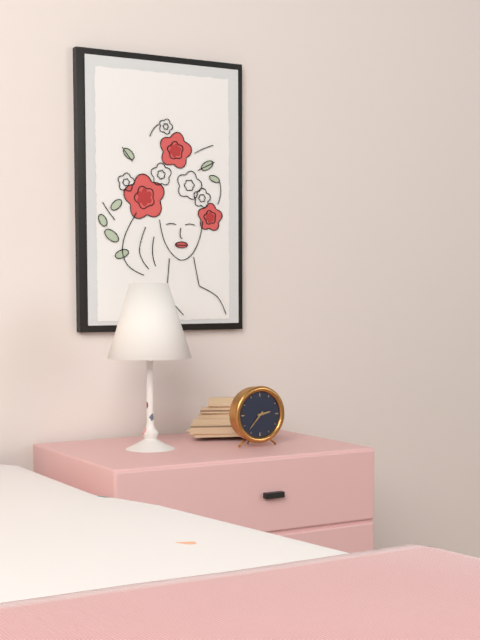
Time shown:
{"hour": 2, "minute": 37}
